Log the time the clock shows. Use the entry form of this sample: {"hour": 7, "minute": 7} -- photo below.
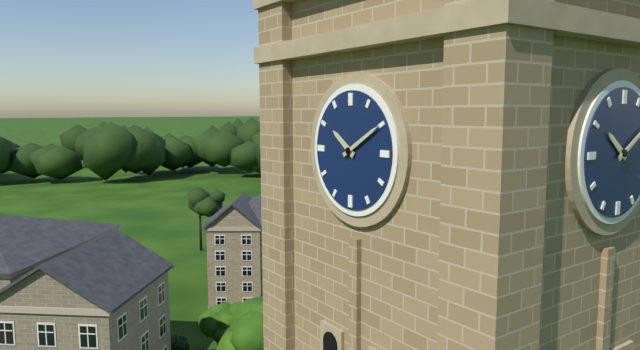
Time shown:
{"hour": 10, "minute": 10}
